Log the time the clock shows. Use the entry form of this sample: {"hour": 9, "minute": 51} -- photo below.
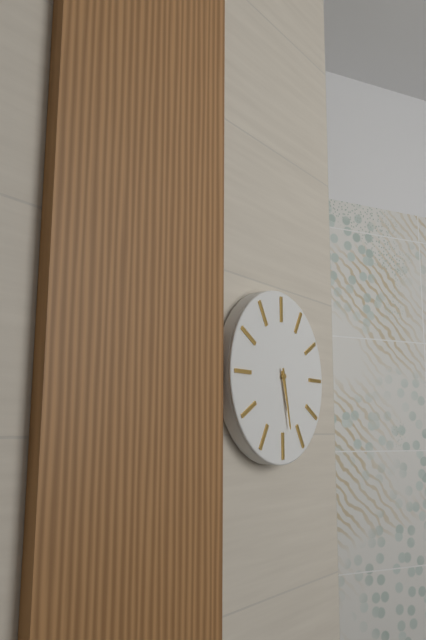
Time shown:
{"hour": 5, "minute": 28}
